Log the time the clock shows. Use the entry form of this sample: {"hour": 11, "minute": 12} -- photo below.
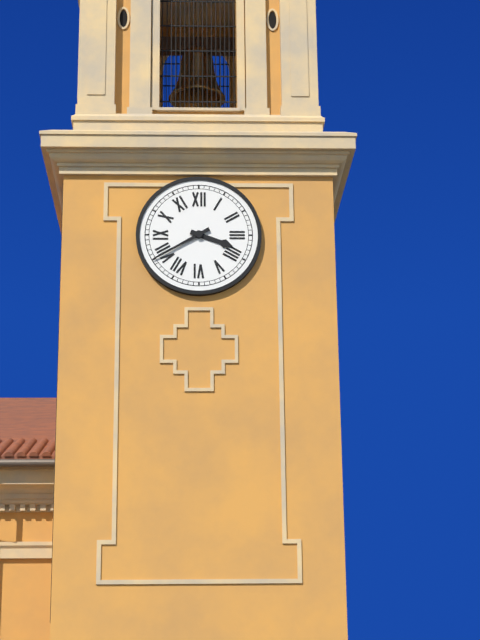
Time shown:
{"hour": 3, "minute": 40}
